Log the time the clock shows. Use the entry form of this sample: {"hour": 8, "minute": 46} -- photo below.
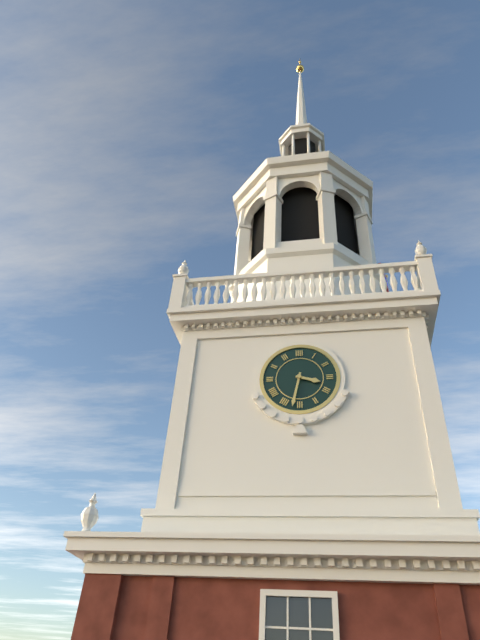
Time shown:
{"hour": 3, "minute": 32}
